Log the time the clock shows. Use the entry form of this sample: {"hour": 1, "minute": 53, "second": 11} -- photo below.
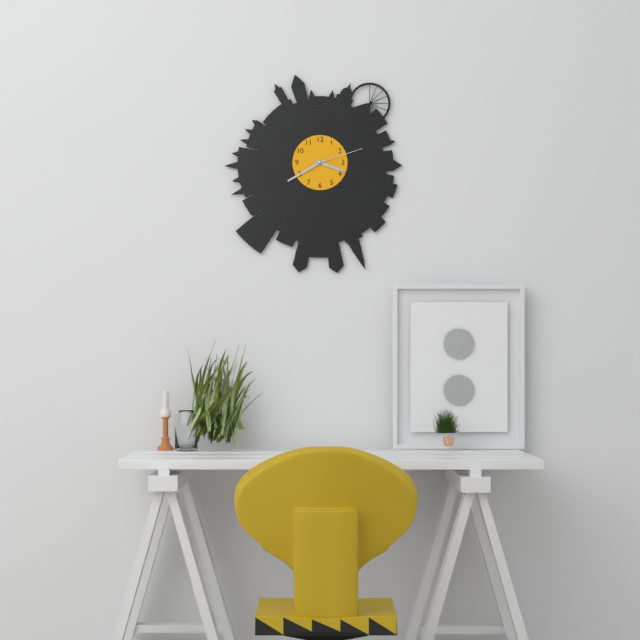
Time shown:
{"hour": 3, "minute": 40, "second": 12}
